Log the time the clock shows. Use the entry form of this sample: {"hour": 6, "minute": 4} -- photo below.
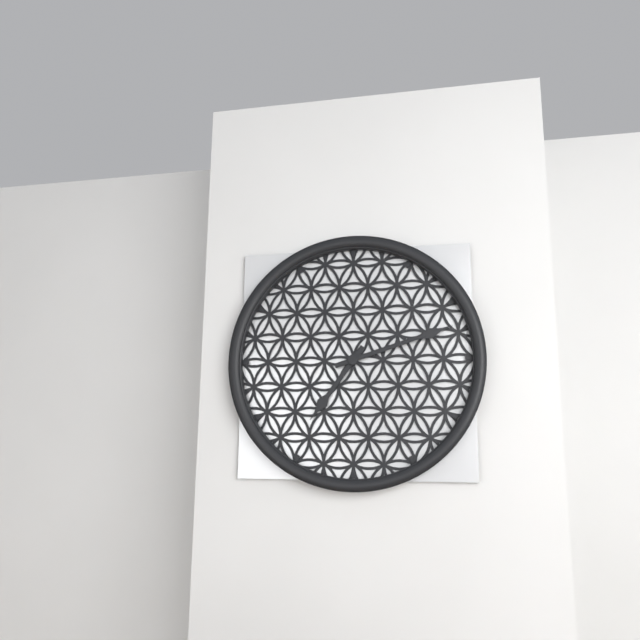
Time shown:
{"hour": 7, "minute": 12}
